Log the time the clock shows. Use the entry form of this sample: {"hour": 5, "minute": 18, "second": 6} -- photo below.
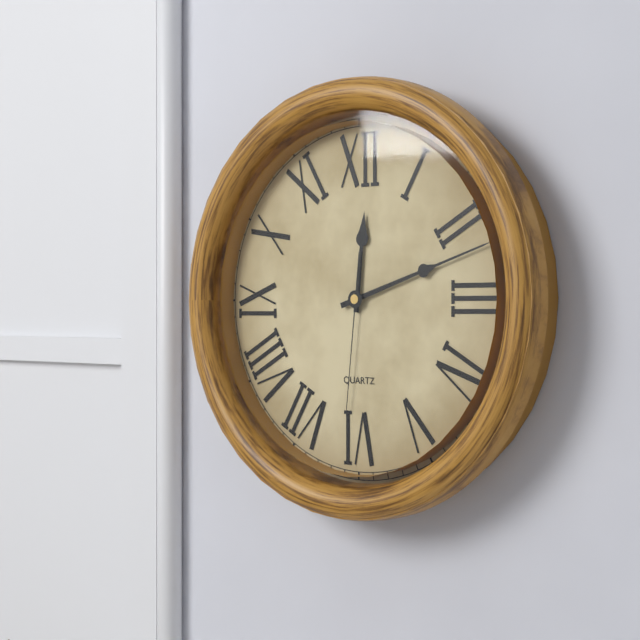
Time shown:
{"hour": 12, "minute": 12, "second": 31}
